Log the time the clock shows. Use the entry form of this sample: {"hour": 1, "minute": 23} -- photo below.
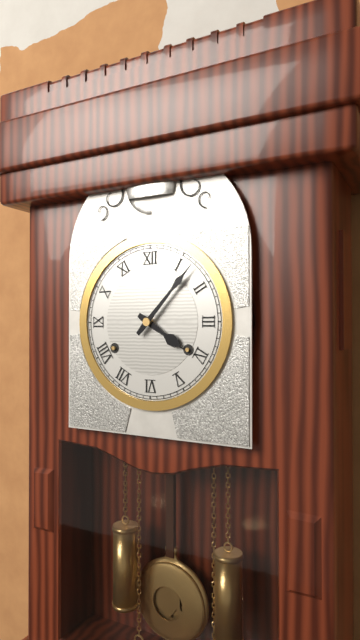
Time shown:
{"hour": 4, "minute": 7}
